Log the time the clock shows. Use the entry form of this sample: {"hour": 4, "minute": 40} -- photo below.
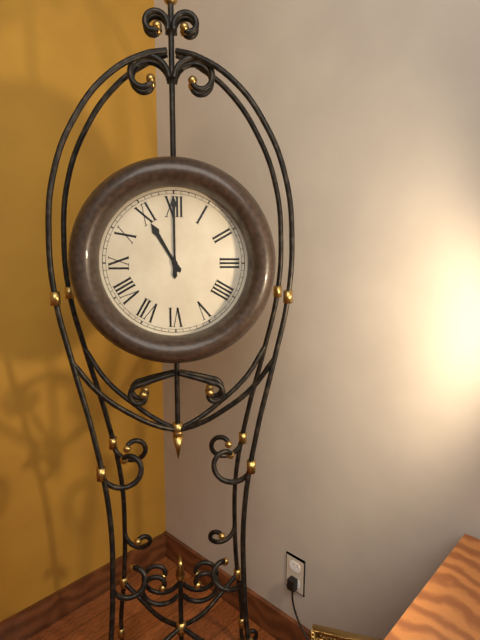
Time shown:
{"hour": 11, "minute": 0}
